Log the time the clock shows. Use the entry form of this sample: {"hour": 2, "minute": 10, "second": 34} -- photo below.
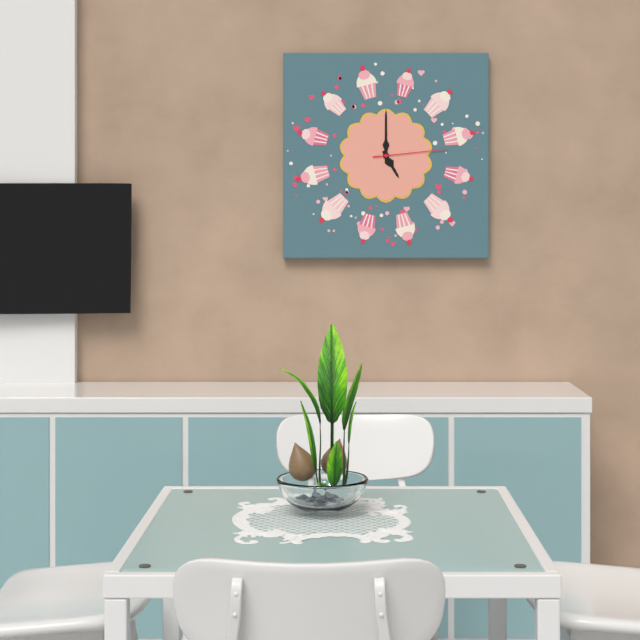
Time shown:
{"hour": 5, "minute": 0, "second": 14}
